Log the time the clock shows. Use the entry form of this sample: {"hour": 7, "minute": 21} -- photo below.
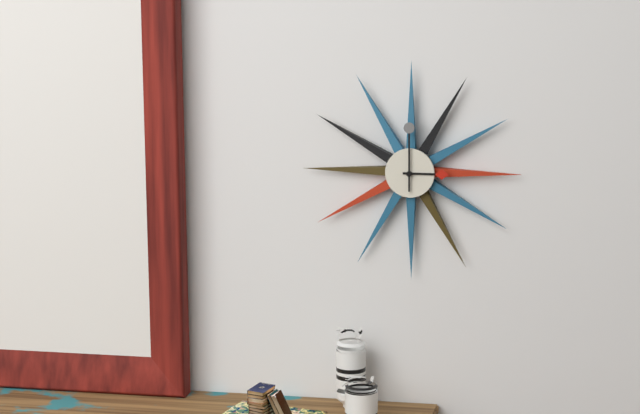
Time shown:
{"hour": 3, "minute": 0}
